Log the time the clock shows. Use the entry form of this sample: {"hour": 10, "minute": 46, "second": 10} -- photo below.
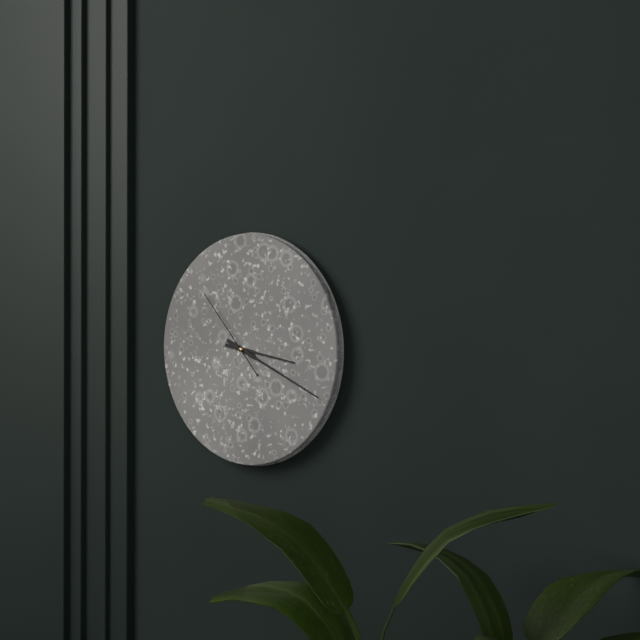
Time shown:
{"hour": 3, "minute": 19, "second": 53}
